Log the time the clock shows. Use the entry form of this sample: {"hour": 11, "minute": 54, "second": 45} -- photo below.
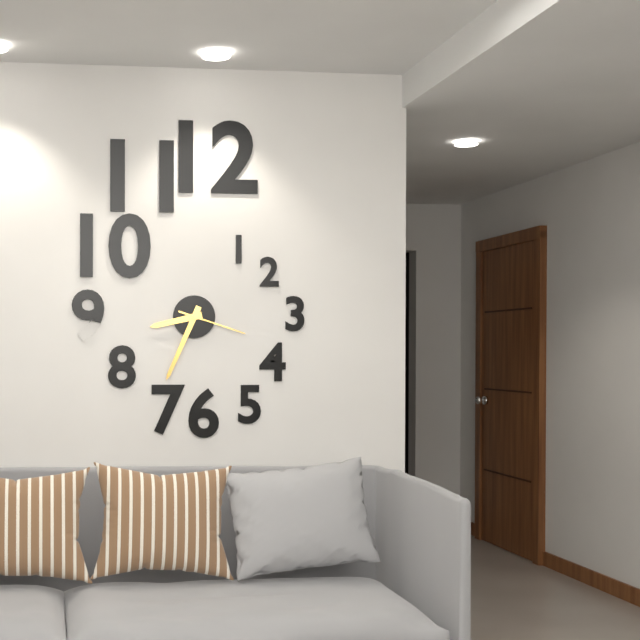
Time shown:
{"hour": 8, "minute": 34, "second": 18}
